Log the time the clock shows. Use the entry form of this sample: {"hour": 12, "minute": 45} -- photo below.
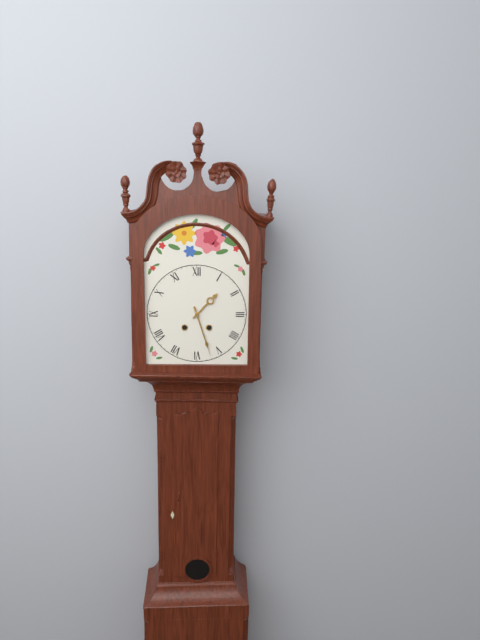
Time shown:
{"hour": 1, "minute": 27}
